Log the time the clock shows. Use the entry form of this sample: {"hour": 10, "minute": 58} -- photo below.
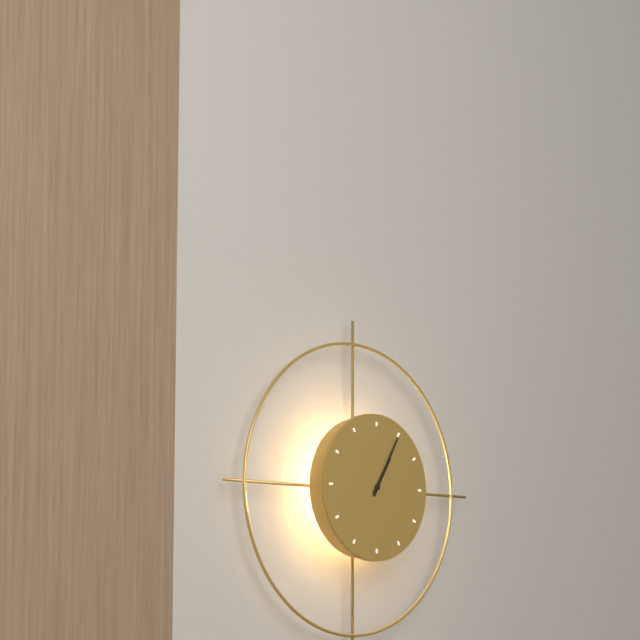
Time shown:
{"hour": 1, "minute": 5}
